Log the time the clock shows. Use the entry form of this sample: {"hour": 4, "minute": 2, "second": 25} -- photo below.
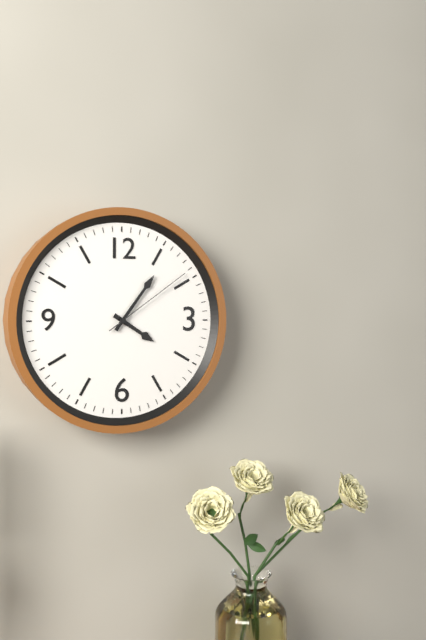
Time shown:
{"hour": 4, "minute": 6, "second": 9}
